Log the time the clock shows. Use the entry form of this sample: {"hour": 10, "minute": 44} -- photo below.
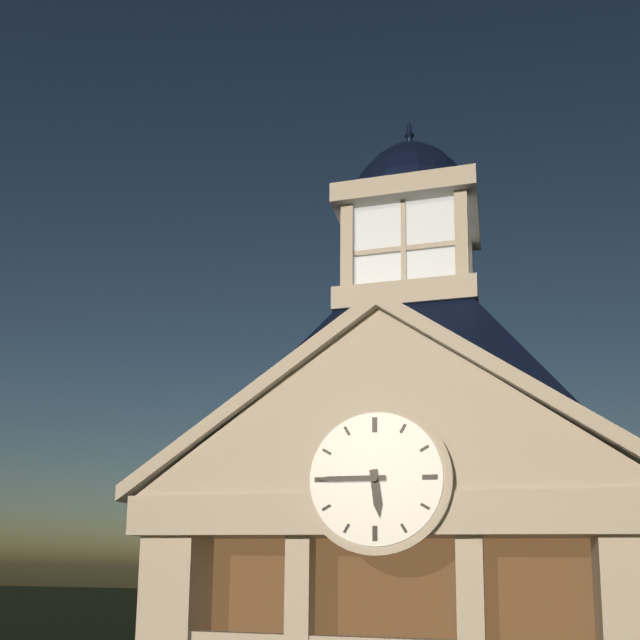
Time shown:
{"hour": 5, "minute": 45}
